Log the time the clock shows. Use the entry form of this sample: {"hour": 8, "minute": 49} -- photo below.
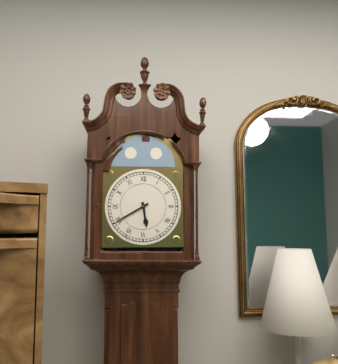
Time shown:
{"hour": 5, "minute": 40}
